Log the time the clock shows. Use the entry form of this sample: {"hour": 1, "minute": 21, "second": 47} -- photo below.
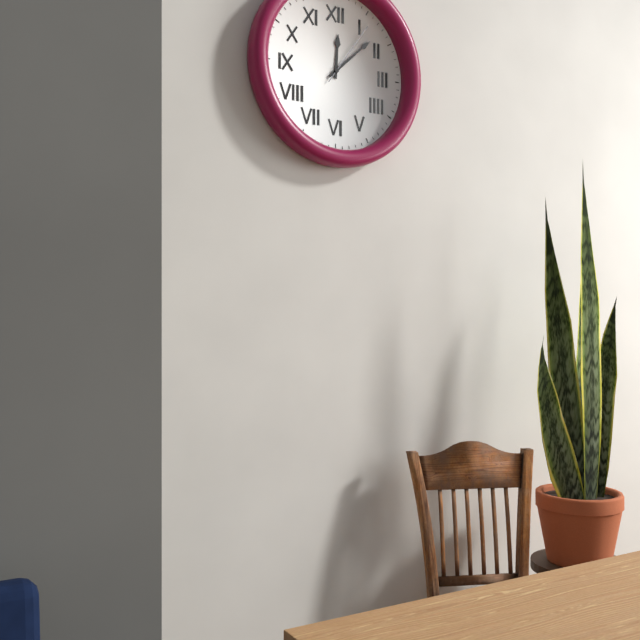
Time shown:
{"hour": 12, "minute": 8, "second": 6}
